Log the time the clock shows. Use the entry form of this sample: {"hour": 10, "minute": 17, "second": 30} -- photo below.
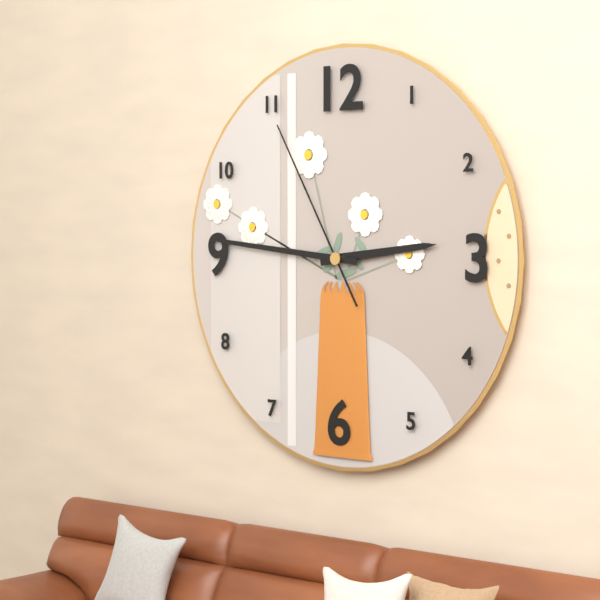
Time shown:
{"hour": 2, "minute": 46, "second": 55}
